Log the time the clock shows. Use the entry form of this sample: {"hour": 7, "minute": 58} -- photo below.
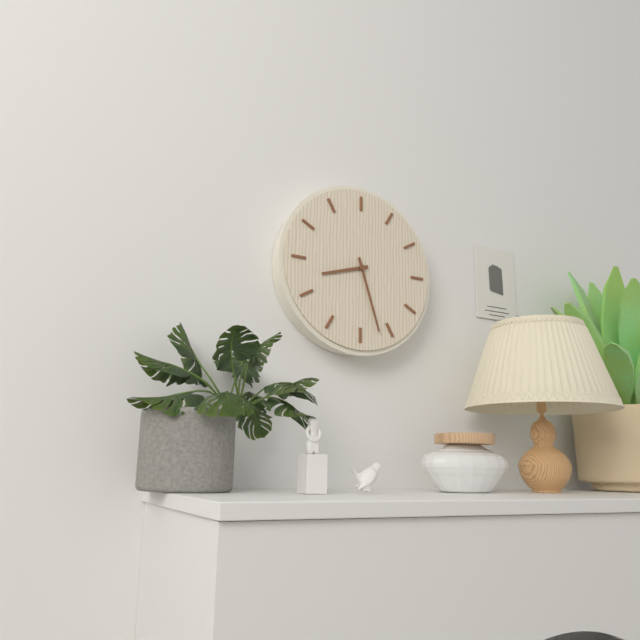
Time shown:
{"hour": 8, "minute": 27}
